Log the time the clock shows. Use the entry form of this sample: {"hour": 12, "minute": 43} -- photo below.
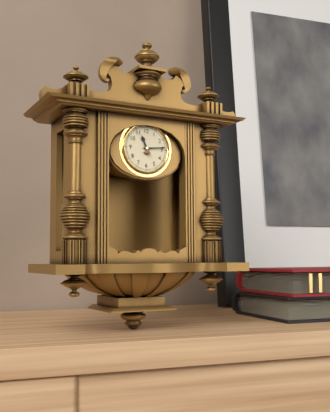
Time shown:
{"hour": 11, "minute": 14}
